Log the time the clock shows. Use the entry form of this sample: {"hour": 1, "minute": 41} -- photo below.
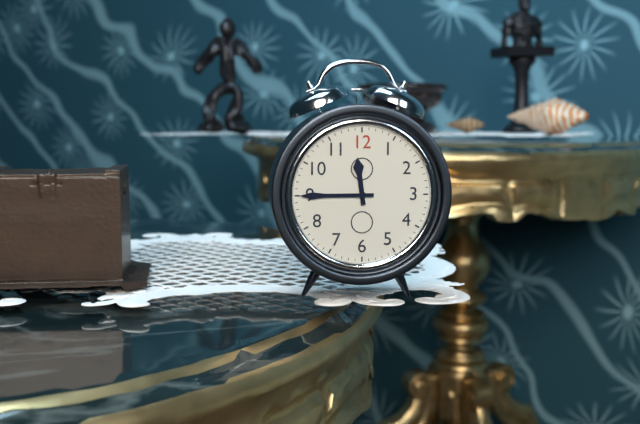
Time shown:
{"hour": 11, "minute": 45}
